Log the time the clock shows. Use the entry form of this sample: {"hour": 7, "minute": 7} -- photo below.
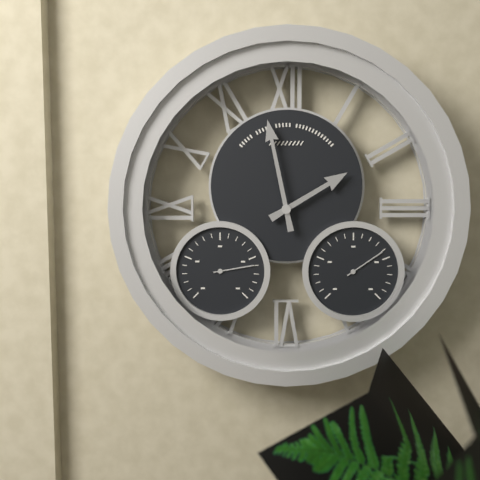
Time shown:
{"hour": 1, "minute": 58}
